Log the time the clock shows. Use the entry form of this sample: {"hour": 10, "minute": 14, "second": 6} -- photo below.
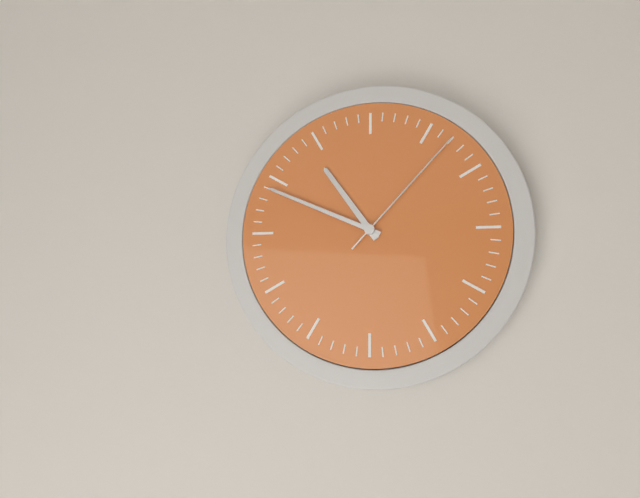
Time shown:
{"hour": 10, "minute": 49, "second": 7}
